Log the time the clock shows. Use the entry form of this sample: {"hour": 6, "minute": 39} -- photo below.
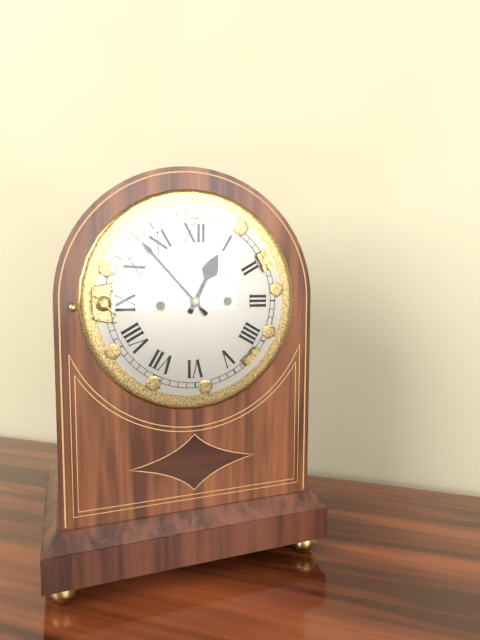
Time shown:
{"hour": 12, "minute": 53}
